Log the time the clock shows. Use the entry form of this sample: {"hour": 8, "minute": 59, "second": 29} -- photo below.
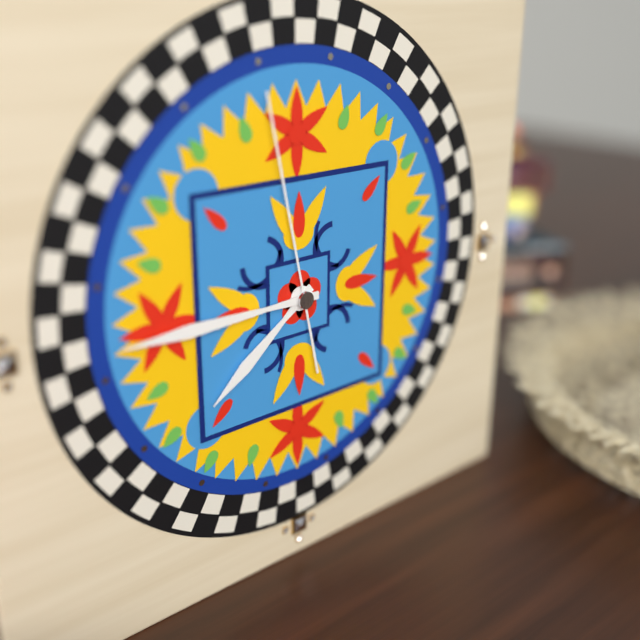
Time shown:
{"hour": 7, "minute": 45, "second": 58}
